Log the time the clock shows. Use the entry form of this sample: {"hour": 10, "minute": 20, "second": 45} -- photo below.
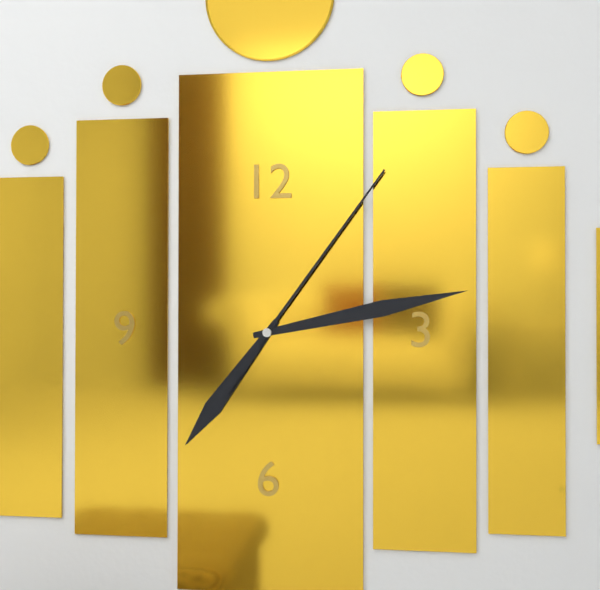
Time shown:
{"hour": 7, "minute": 13, "second": 6}
